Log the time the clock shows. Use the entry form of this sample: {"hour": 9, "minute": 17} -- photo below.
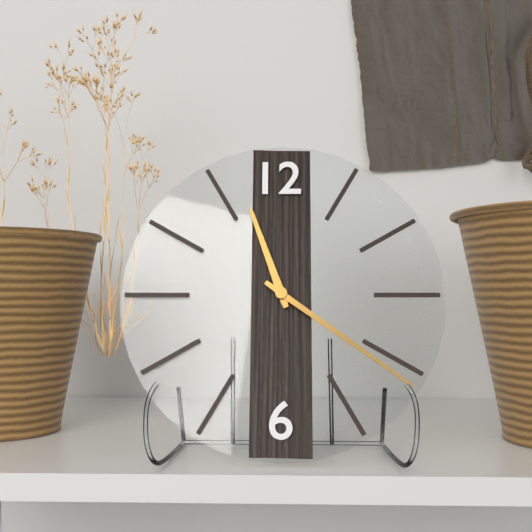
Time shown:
{"hour": 11, "minute": 21}
